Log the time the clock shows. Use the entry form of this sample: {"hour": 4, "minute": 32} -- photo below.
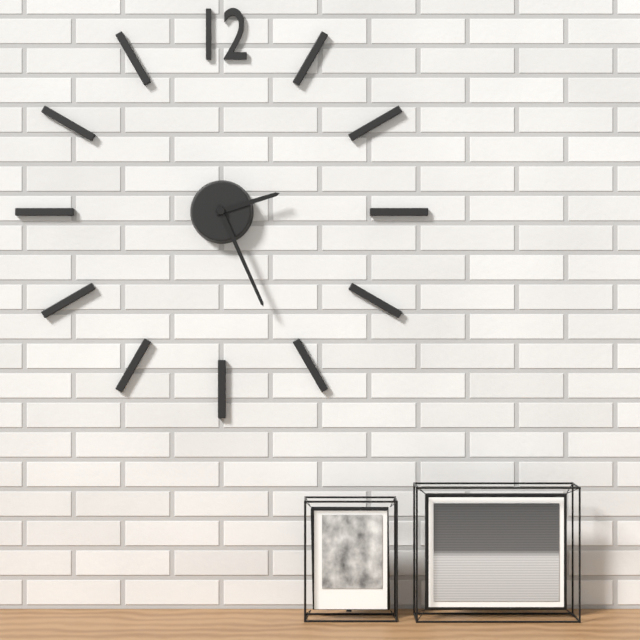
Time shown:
{"hour": 2, "minute": 26}
